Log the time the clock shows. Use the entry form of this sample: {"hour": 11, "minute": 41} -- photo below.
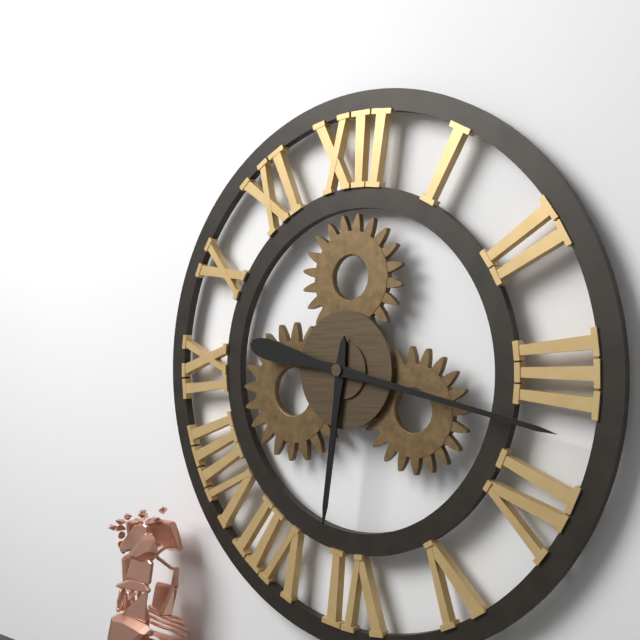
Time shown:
{"hour": 6, "minute": 17}
